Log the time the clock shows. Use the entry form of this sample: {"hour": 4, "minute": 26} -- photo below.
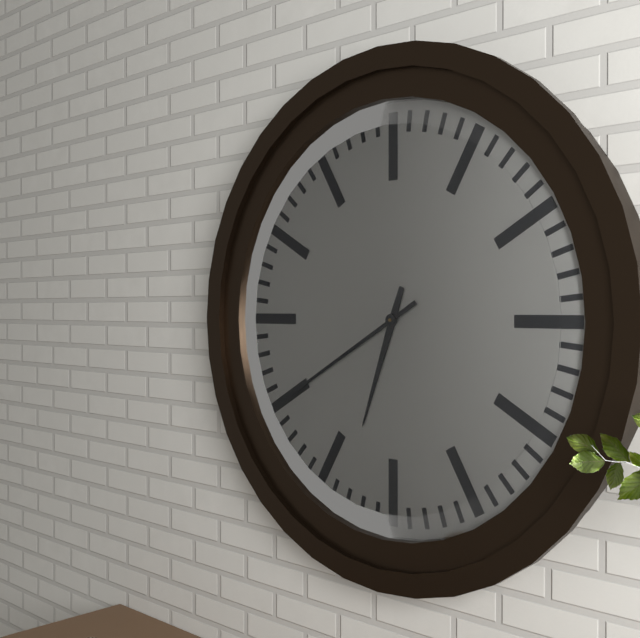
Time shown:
{"hour": 6, "minute": 40}
